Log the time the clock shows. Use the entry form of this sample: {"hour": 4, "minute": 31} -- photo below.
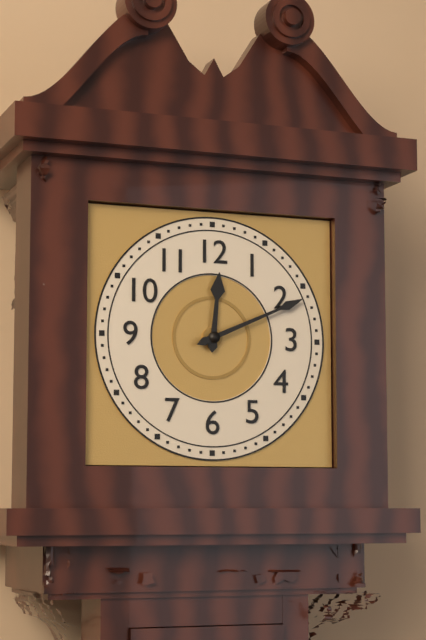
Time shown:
{"hour": 12, "minute": 11}
